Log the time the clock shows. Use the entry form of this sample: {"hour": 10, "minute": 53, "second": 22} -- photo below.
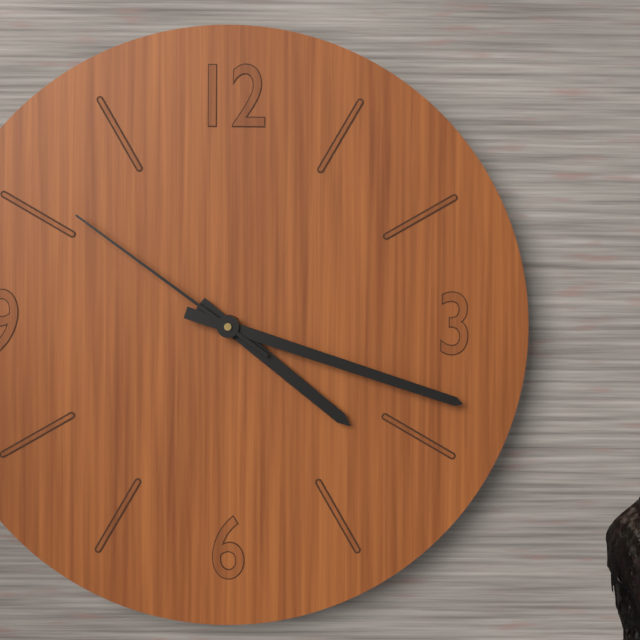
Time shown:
{"hour": 4, "minute": 18, "second": 51}
